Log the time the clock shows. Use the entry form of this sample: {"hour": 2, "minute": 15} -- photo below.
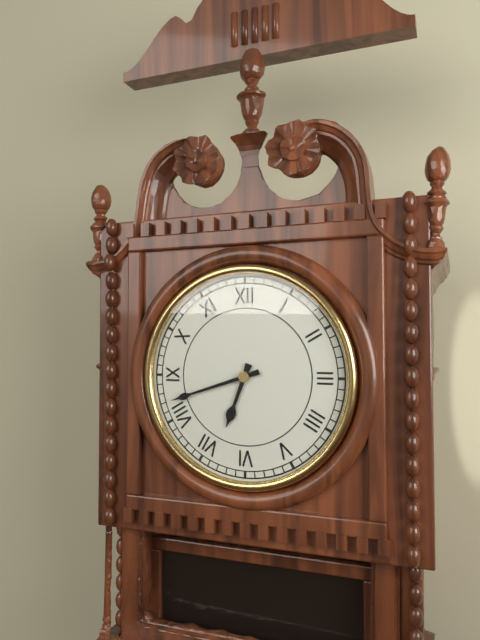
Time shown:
{"hour": 6, "minute": 42}
